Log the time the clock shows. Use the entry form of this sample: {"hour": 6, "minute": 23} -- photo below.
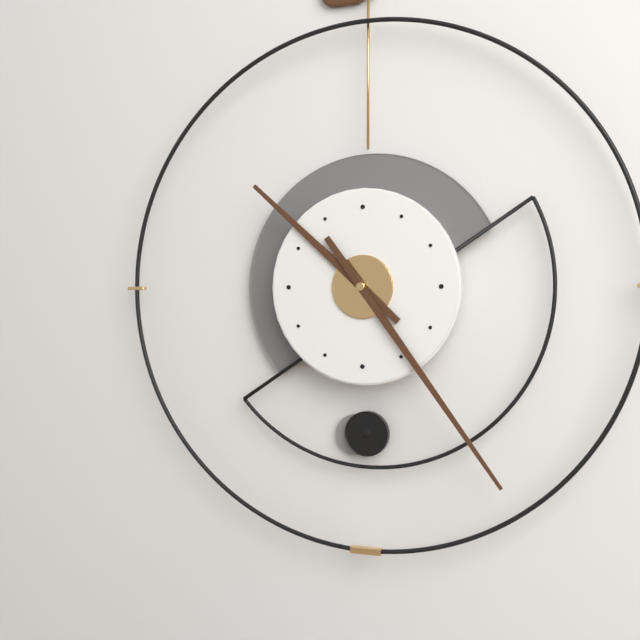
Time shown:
{"hour": 10, "minute": 24}
